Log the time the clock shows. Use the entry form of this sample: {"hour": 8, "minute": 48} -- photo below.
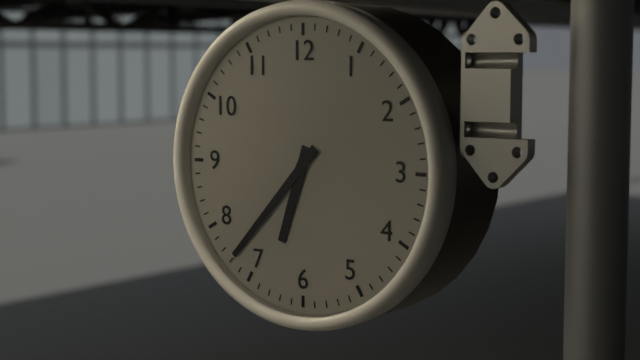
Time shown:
{"hour": 6, "minute": 37}
